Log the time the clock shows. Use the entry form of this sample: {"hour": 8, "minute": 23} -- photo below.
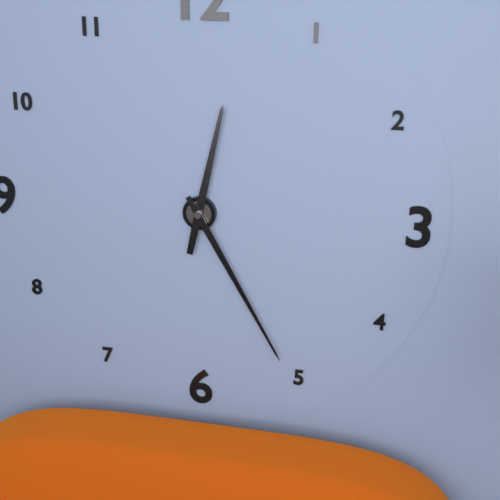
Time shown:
{"hour": 12, "minute": 25}
